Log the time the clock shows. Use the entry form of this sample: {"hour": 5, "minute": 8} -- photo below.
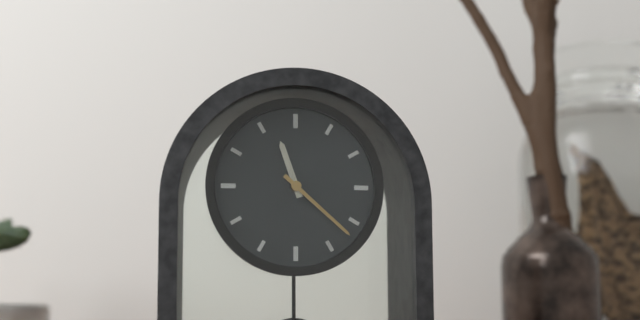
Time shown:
{"hour": 11, "minute": 22}
